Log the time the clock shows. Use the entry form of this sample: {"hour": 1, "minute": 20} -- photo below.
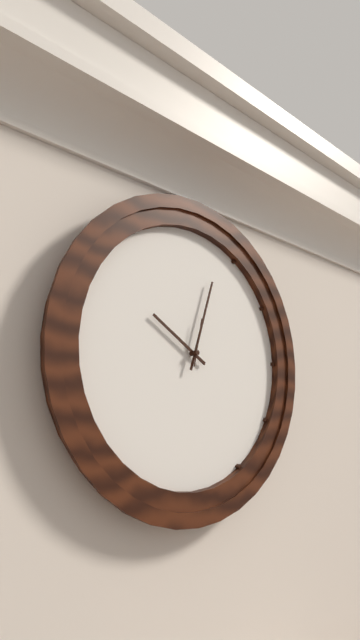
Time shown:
{"hour": 10, "minute": 3}
